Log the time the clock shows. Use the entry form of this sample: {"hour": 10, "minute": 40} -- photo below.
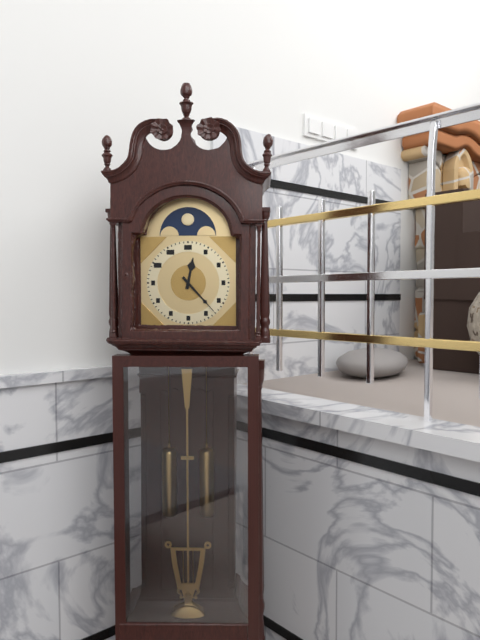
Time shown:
{"hour": 12, "minute": 23}
